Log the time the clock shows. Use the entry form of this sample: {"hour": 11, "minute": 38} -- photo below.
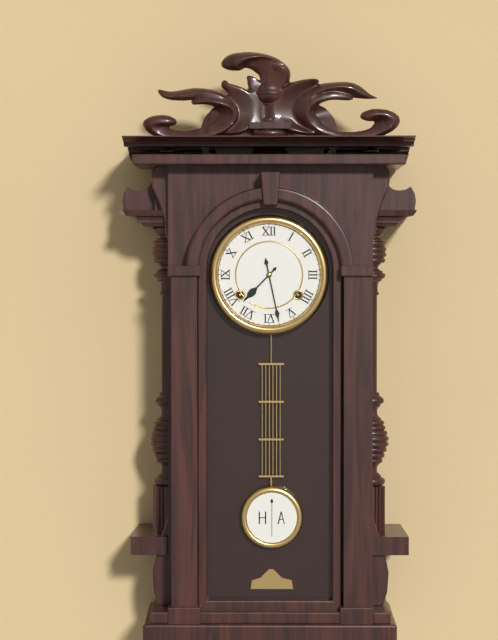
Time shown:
{"hour": 7, "minute": 28}
